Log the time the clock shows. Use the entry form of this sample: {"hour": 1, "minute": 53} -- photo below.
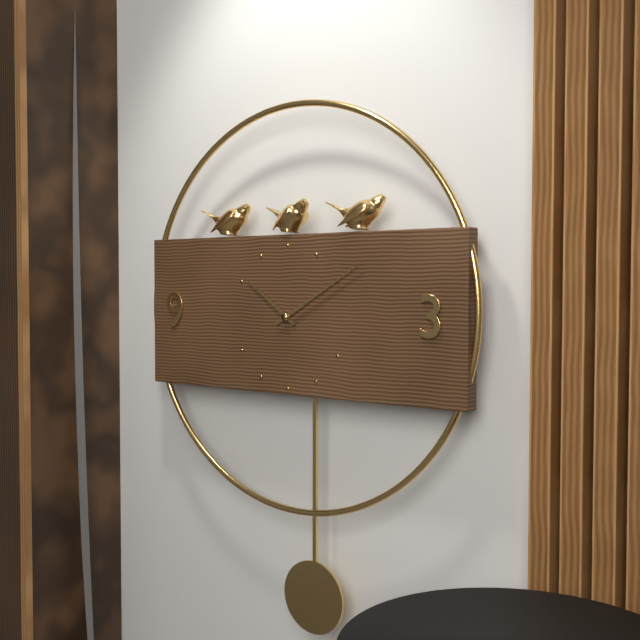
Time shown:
{"hour": 10, "minute": 10}
